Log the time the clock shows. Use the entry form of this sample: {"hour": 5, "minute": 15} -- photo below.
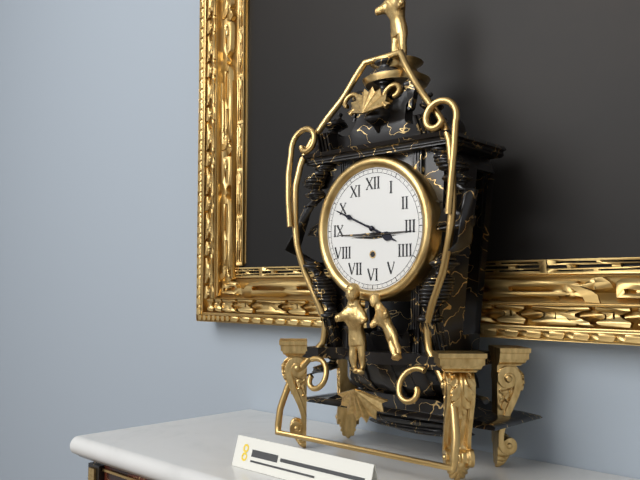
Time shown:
{"hour": 3, "minute": 49}
